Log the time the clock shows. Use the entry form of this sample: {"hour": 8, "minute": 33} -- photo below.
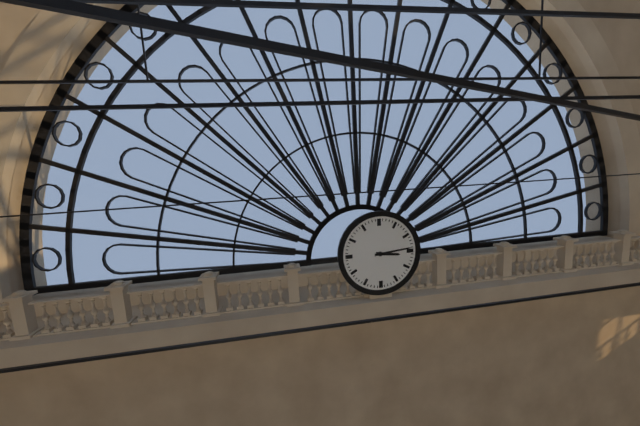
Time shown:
{"hour": 3, "minute": 14}
